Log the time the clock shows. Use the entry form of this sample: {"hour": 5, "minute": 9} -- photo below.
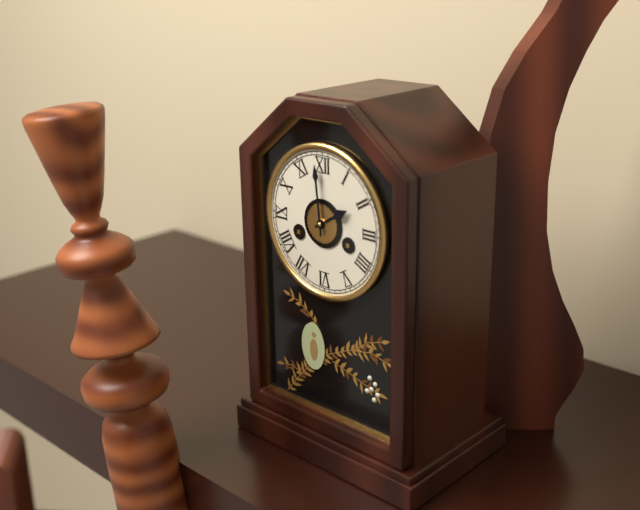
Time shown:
{"hour": 1, "minute": 59}
